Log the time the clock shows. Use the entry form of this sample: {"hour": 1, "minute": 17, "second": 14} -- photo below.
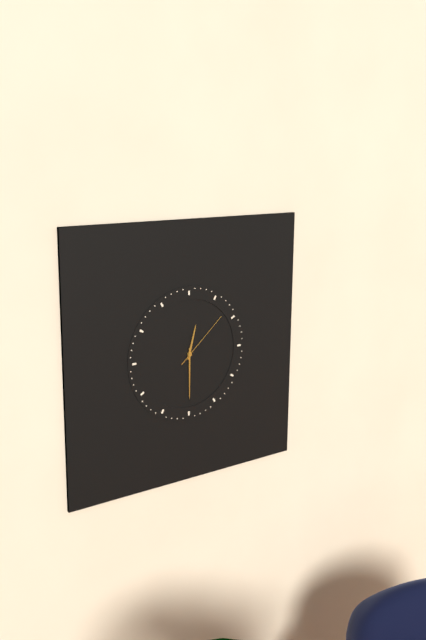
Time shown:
{"hour": 12, "minute": 30, "second": 8}
